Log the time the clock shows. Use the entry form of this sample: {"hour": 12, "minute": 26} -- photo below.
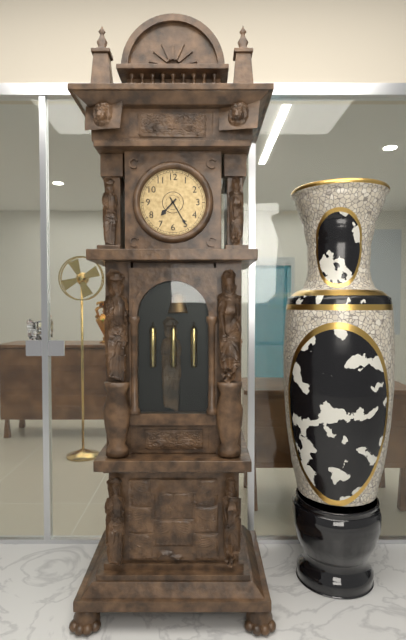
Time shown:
{"hour": 7, "minute": 25}
